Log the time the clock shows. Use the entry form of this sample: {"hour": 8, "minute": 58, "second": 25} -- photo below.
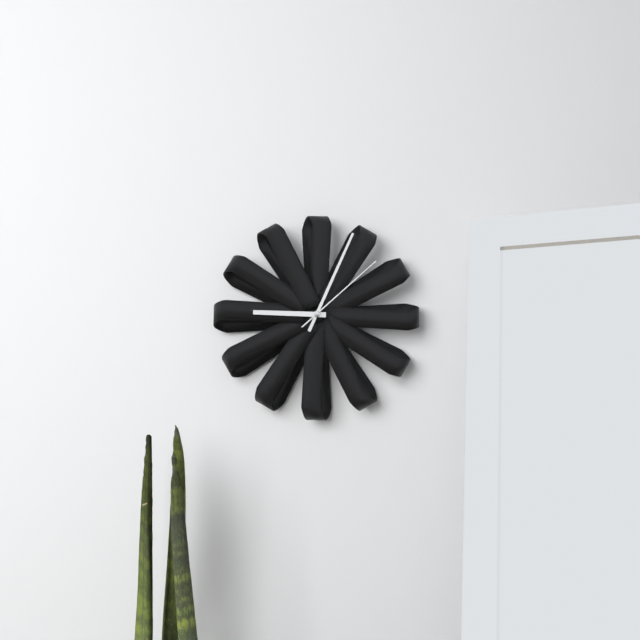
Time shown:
{"hour": 9, "minute": 4, "second": 8}
